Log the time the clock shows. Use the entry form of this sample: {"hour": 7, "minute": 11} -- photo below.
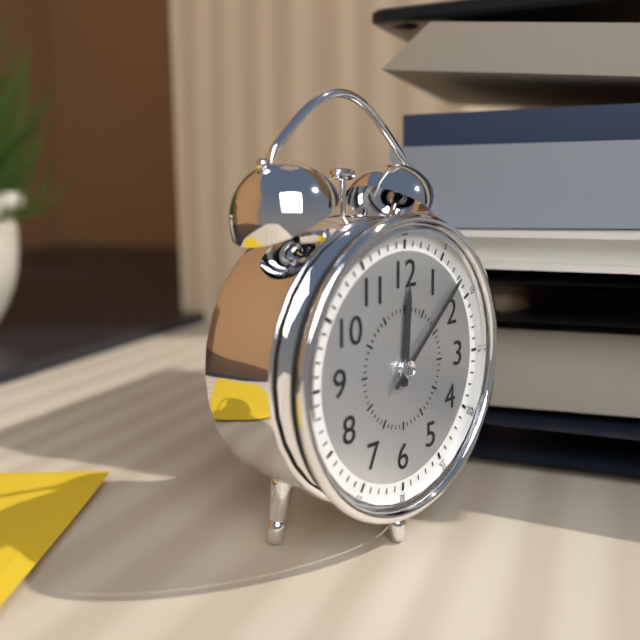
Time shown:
{"hour": 12, "minute": 8}
